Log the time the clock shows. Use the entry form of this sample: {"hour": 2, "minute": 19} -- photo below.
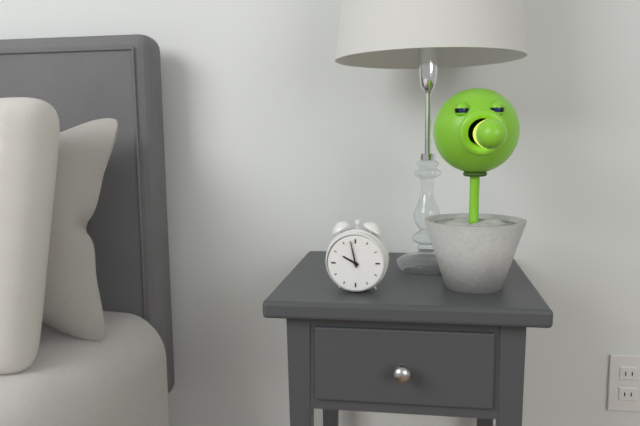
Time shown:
{"hour": 9, "minute": 58}
